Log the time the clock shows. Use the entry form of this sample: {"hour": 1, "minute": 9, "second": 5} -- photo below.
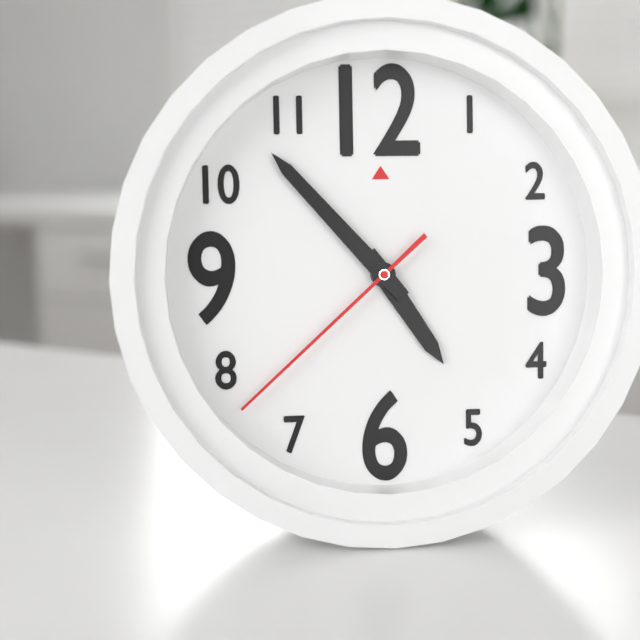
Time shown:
{"hour": 4, "minute": 53, "second": 38}
